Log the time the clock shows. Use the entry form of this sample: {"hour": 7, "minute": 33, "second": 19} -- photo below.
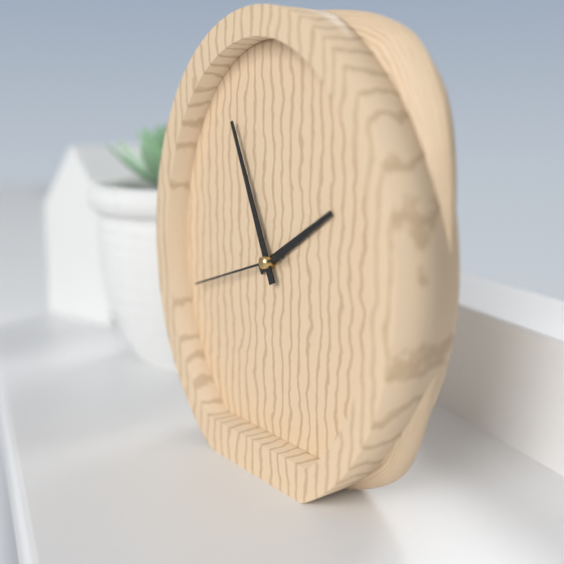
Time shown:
{"hour": 1, "minute": 56, "second": 42}
